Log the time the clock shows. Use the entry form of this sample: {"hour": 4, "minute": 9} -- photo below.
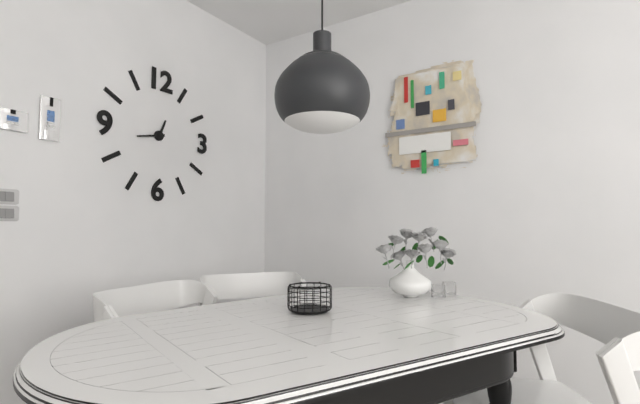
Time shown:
{"hour": 12, "minute": 43}
